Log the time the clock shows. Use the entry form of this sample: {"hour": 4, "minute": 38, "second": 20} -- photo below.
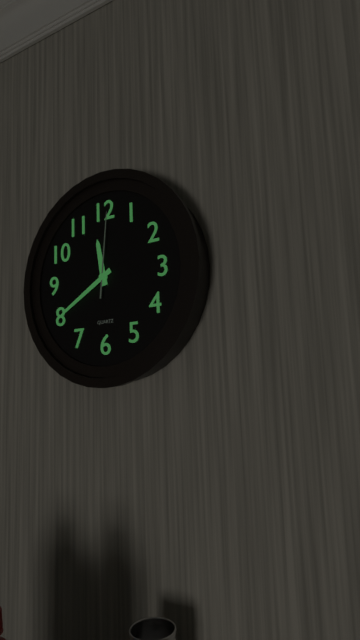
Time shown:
{"hour": 11, "minute": 40, "second": 1}
